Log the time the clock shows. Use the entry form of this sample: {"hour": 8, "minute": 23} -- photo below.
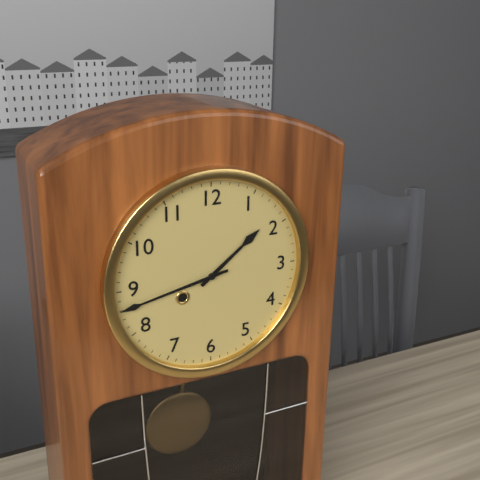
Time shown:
{"hour": 1, "minute": 43}
